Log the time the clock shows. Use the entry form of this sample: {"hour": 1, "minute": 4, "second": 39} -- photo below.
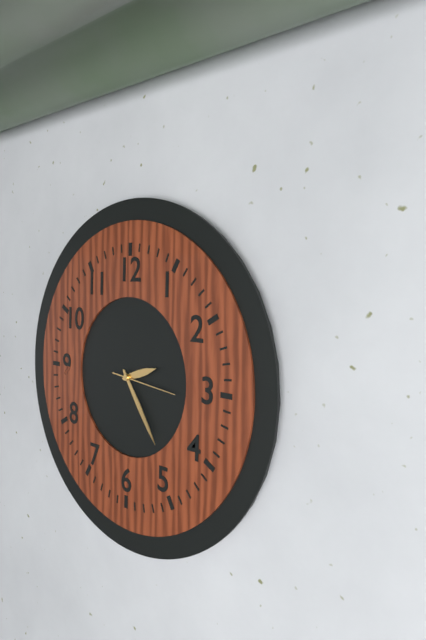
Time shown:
{"hour": 2, "minute": 24, "second": 16}
